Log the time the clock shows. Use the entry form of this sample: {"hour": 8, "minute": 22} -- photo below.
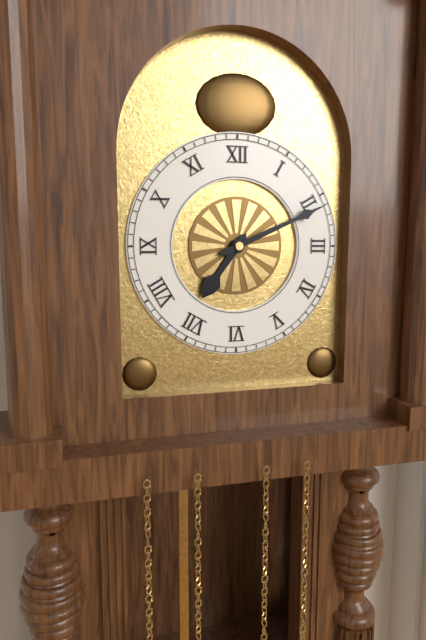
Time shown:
{"hour": 7, "minute": 11}
